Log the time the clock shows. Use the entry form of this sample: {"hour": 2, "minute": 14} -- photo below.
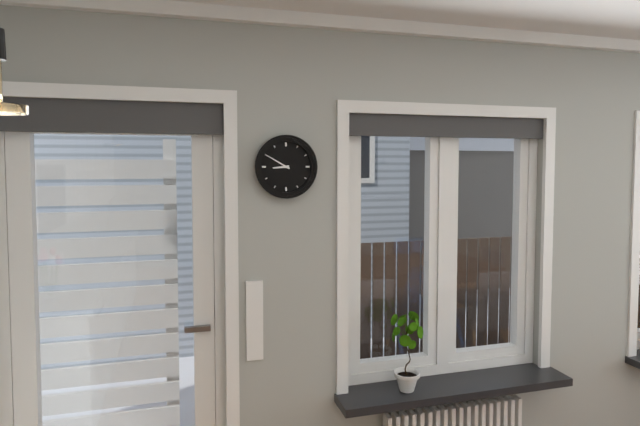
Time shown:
{"hour": 8, "minute": 50}
